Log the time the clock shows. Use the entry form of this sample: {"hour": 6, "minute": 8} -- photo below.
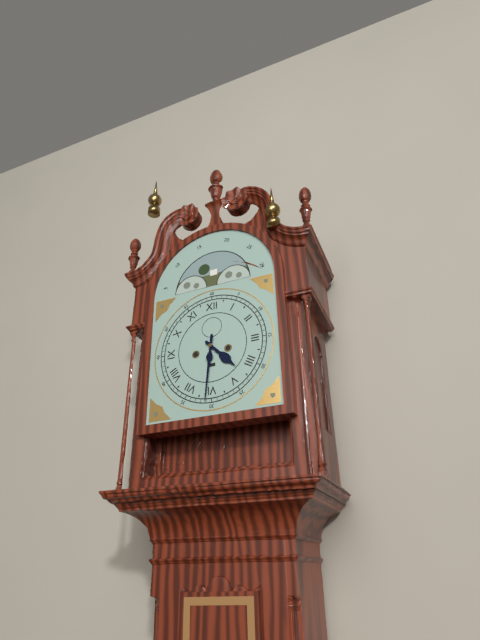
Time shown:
{"hour": 4, "minute": 31}
